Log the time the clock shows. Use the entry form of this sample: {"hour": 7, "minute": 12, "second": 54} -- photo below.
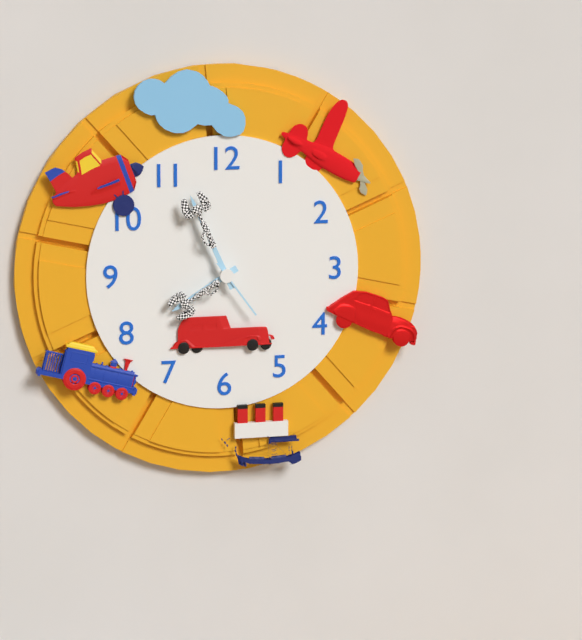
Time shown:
{"hour": 7, "minute": 56, "second": 24}
